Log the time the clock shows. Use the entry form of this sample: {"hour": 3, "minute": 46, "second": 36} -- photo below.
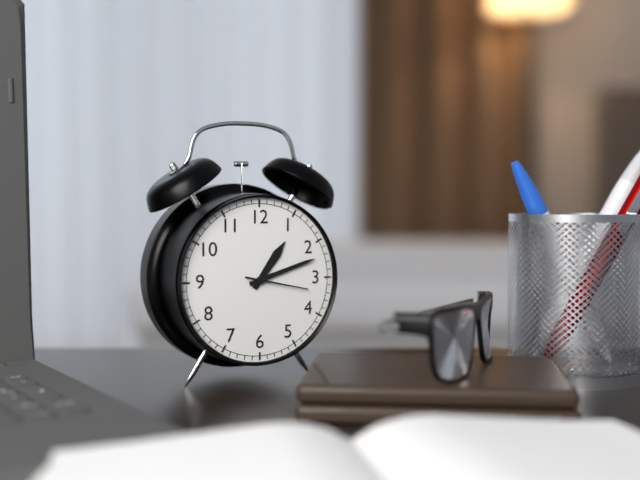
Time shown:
{"hour": 1, "minute": 12, "second": 17}
